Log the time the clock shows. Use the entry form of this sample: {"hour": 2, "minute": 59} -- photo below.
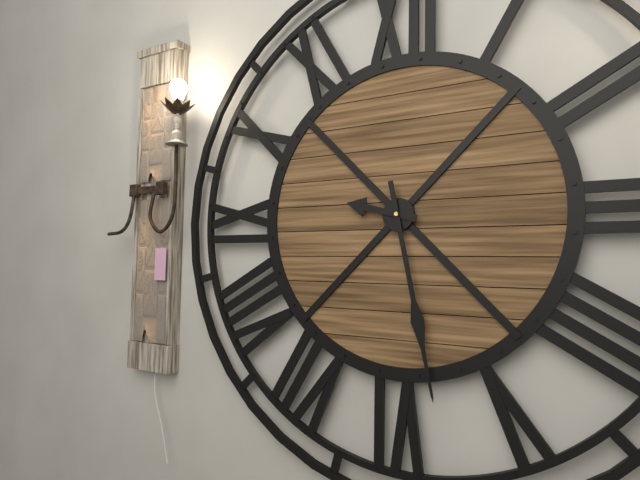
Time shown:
{"hour": 9, "minute": 28}
